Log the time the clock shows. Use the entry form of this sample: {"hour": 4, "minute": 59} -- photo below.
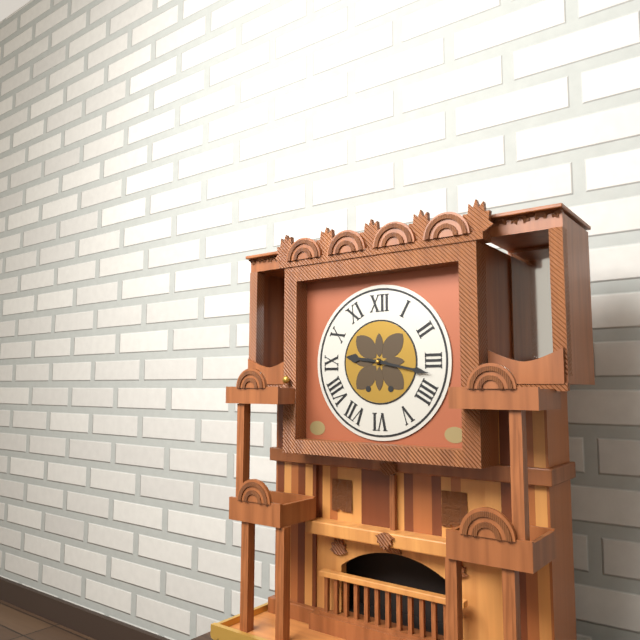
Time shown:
{"hour": 9, "minute": 17}
